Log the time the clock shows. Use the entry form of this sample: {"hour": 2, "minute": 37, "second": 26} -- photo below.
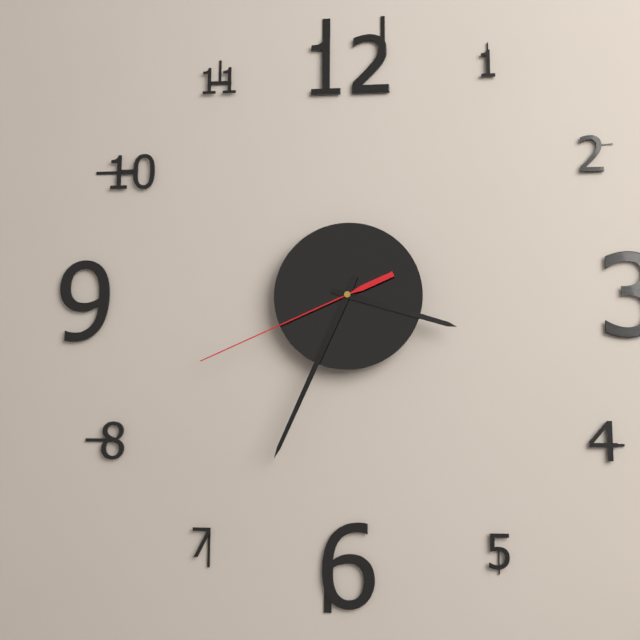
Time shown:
{"hour": 3, "minute": 34, "second": 41}
